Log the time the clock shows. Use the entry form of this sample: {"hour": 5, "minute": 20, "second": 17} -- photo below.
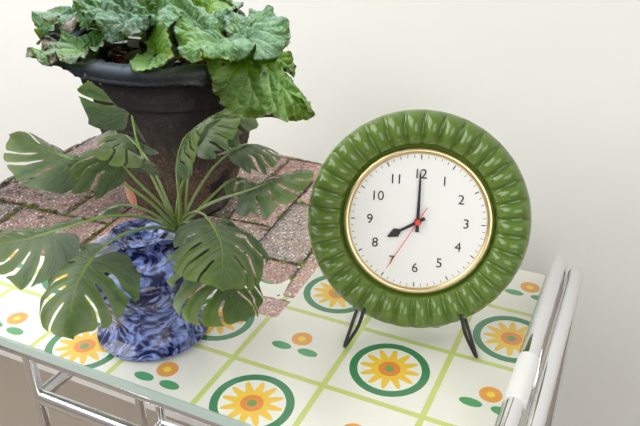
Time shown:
{"hour": 8, "minute": 0, "second": 35}
